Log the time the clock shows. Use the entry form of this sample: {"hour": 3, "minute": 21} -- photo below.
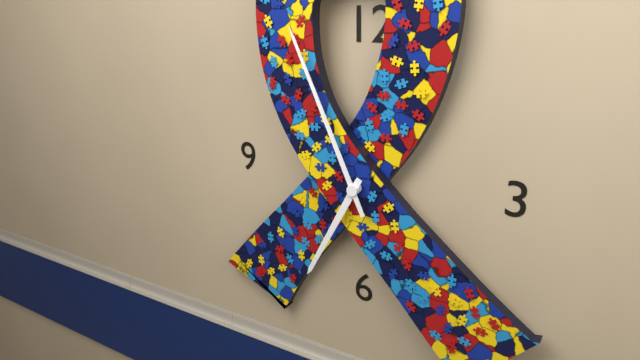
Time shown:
{"hour": 6, "minute": 56}
